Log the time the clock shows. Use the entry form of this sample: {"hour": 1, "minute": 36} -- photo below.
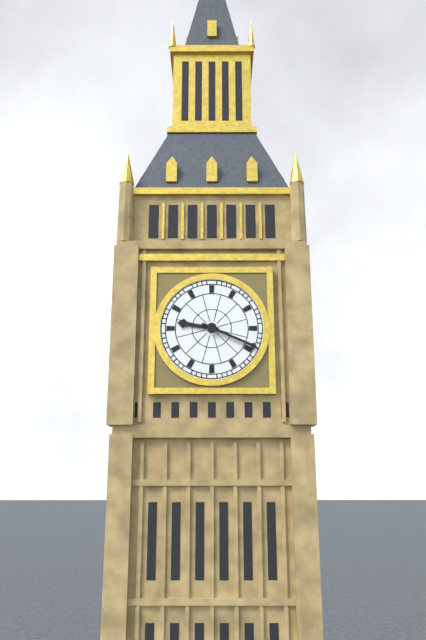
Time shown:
{"hour": 9, "minute": 19}
